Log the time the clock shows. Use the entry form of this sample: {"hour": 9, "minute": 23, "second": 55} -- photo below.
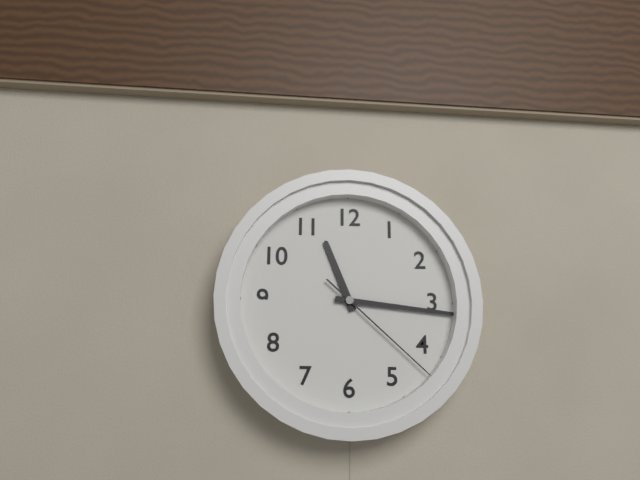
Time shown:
{"hour": 11, "minute": 16, "second": 22}
